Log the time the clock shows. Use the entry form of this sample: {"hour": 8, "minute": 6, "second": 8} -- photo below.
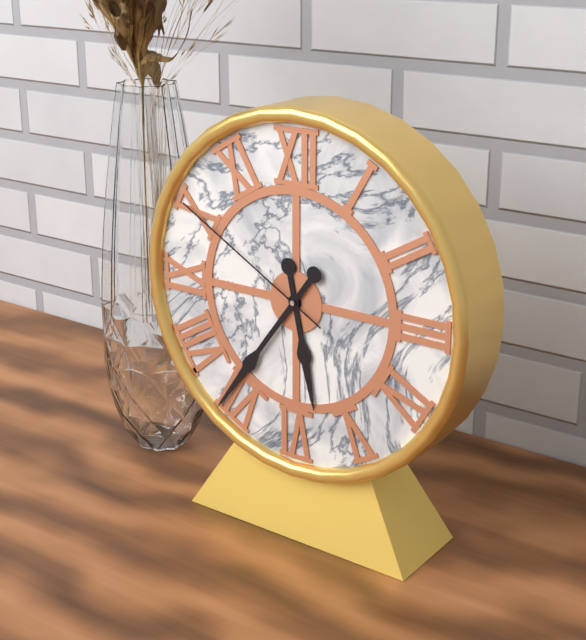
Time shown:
{"hour": 5, "minute": 36, "second": 50}
